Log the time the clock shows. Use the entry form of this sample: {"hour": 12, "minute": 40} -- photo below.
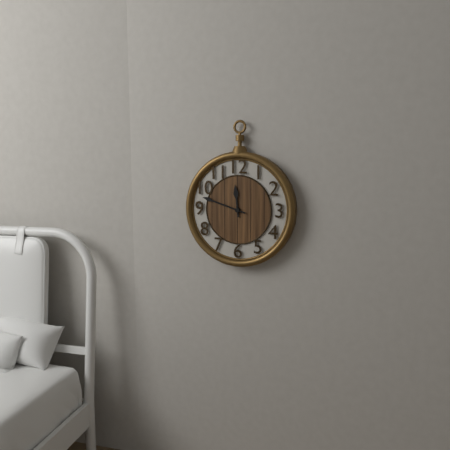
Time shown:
{"hour": 11, "minute": 48}
